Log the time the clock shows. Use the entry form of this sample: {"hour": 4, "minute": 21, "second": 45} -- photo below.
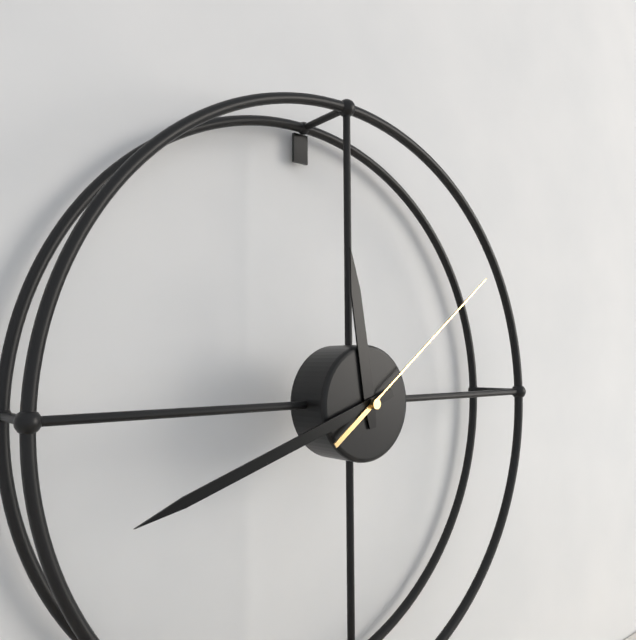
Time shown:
{"hour": 11, "minute": 42, "second": 9}
